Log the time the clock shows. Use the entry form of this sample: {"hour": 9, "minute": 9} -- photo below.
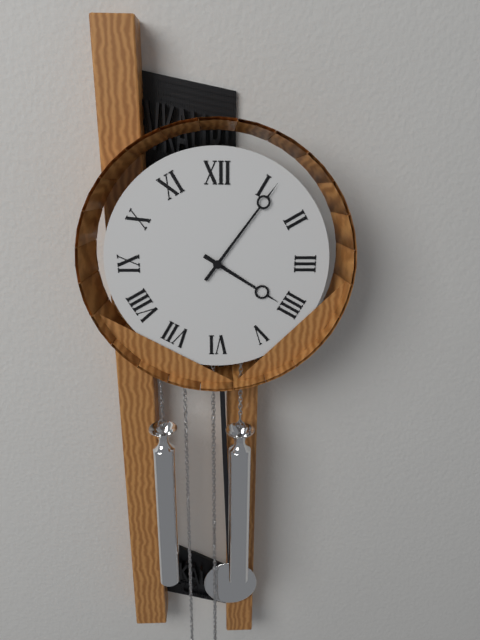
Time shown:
{"hour": 4, "minute": 6}
